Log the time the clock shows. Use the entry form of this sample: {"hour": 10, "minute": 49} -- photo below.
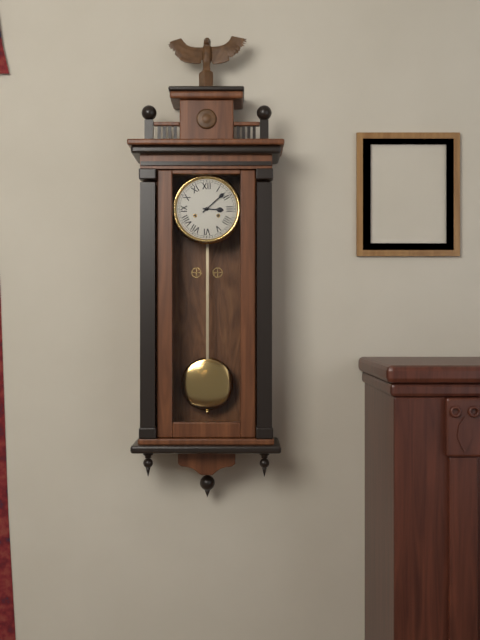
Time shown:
{"hour": 3, "minute": 8}
